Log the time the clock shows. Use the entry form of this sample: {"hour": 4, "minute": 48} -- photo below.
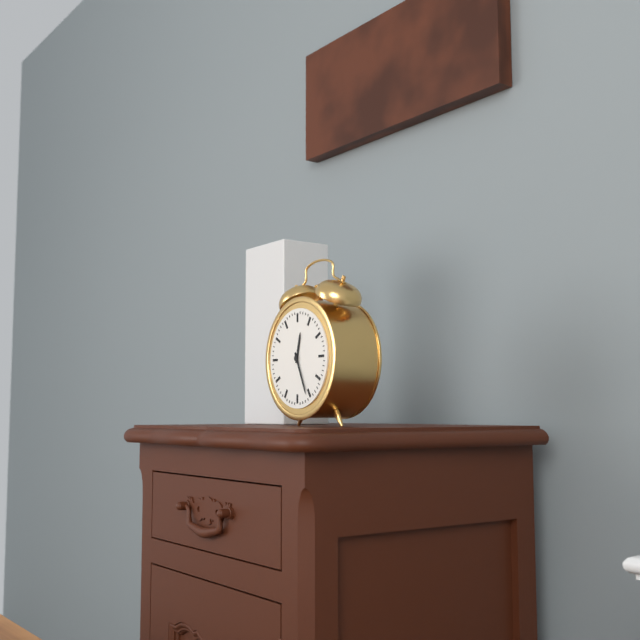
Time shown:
{"hour": 12, "minute": 26}
